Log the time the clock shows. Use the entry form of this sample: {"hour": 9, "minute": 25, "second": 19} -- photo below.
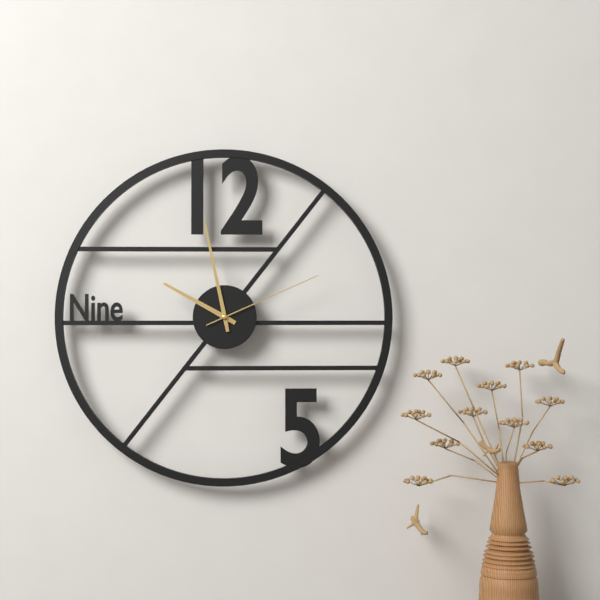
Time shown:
{"hour": 9, "minute": 58, "second": 11}
